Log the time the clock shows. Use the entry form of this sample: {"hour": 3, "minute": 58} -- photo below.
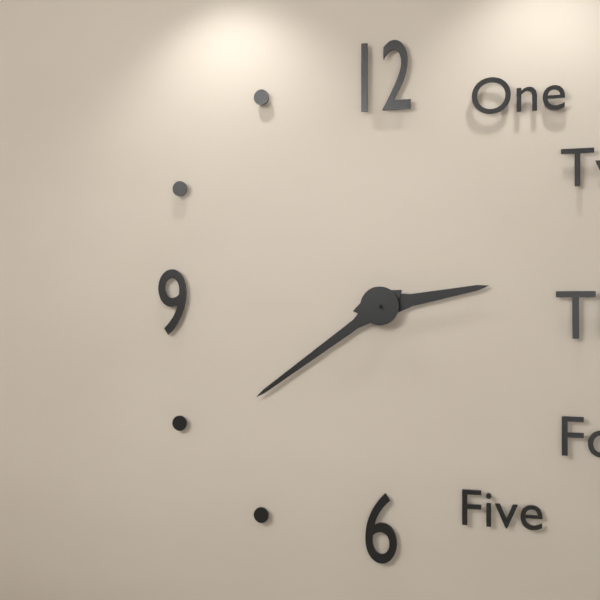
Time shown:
{"hour": 2, "minute": 39}
